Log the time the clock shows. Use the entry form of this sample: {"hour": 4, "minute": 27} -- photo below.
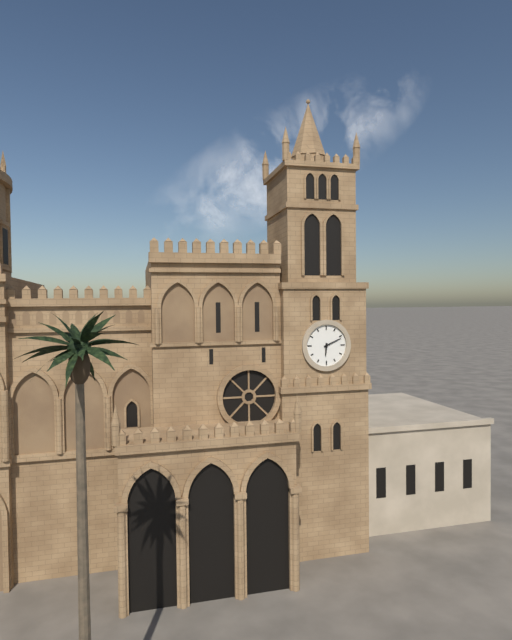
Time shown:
{"hour": 6, "minute": 11}
